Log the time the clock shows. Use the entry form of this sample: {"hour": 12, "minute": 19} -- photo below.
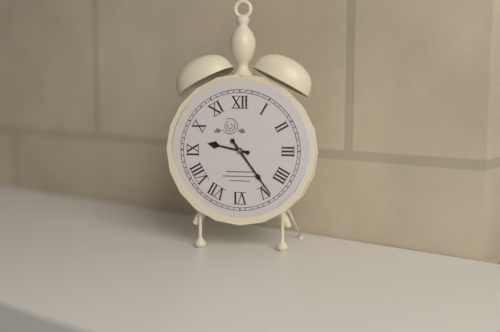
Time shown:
{"hour": 9, "minute": 24}
